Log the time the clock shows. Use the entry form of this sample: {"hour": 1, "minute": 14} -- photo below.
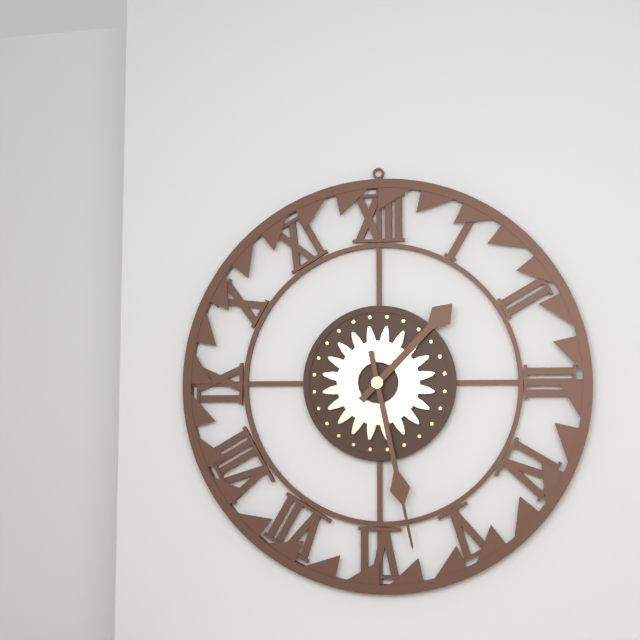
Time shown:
{"hour": 1, "minute": 28}
